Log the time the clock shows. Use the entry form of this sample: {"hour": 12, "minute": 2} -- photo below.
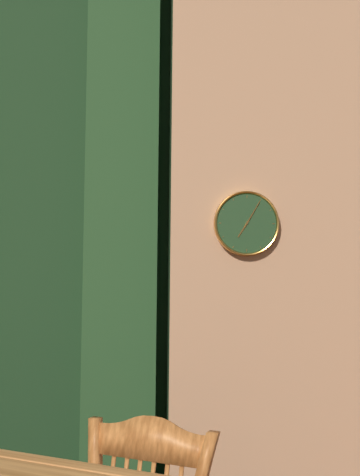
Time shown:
{"hour": 7, "minute": 5}
